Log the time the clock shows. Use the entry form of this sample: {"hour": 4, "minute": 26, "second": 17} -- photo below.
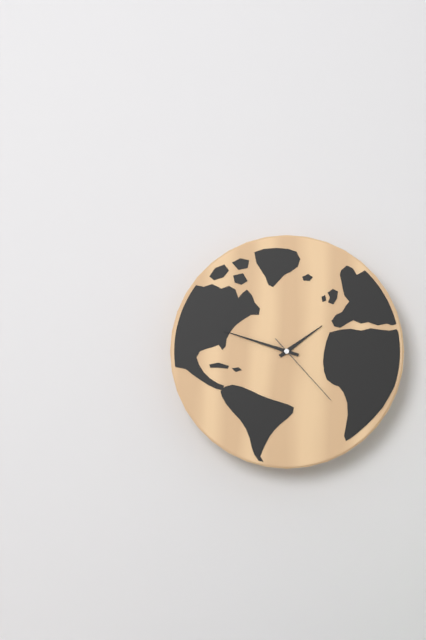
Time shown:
{"hour": 1, "minute": 48, "second": 23}
